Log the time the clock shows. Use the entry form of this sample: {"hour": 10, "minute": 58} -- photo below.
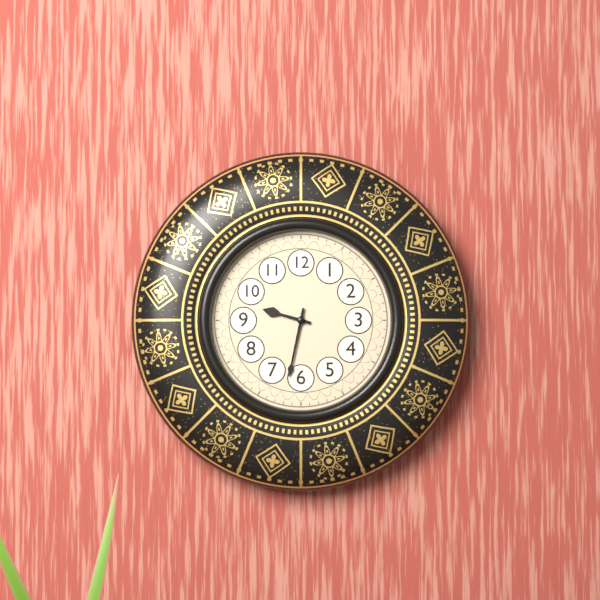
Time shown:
{"hour": 9, "minute": 32}
